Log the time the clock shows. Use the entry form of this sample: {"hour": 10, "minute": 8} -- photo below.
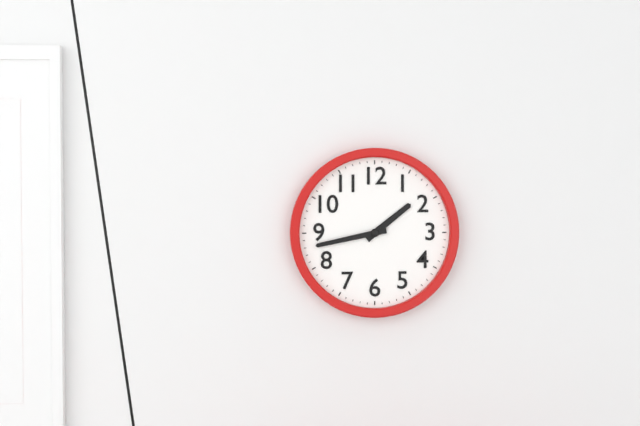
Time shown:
{"hour": 1, "minute": 43}
